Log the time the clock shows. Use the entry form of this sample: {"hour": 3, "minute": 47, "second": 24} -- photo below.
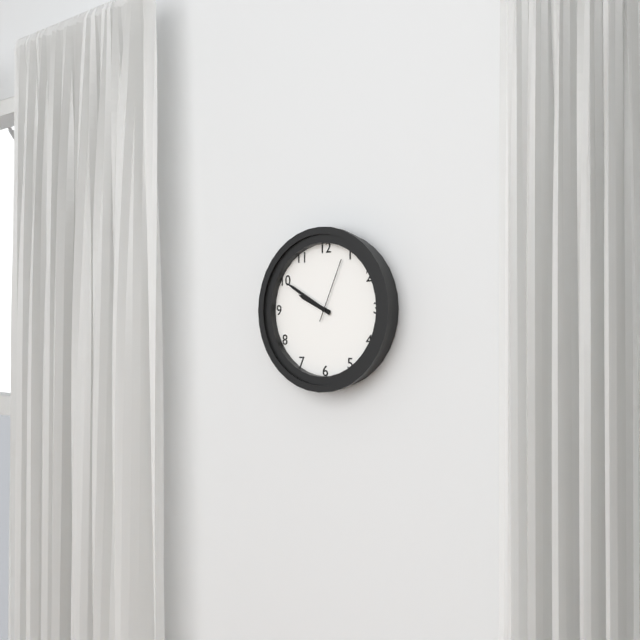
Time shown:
{"hour": 9, "minute": 50, "second": 4}
